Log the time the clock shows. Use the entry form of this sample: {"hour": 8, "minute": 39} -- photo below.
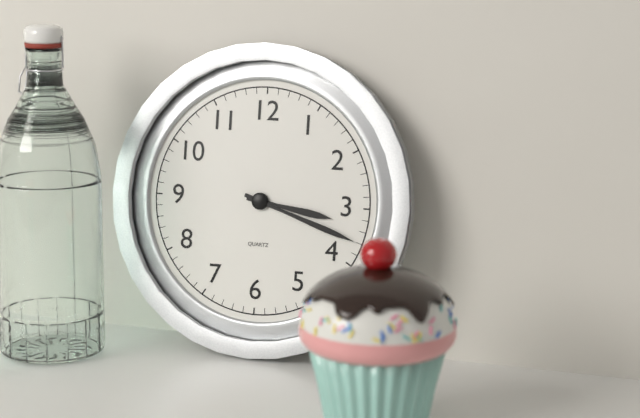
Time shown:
{"hour": 3, "minute": 18}
